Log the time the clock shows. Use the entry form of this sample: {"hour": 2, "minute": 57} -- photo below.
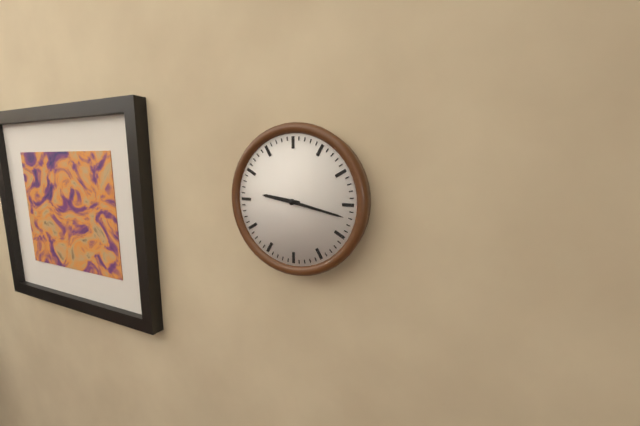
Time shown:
{"hour": 9, "minute": 17}
